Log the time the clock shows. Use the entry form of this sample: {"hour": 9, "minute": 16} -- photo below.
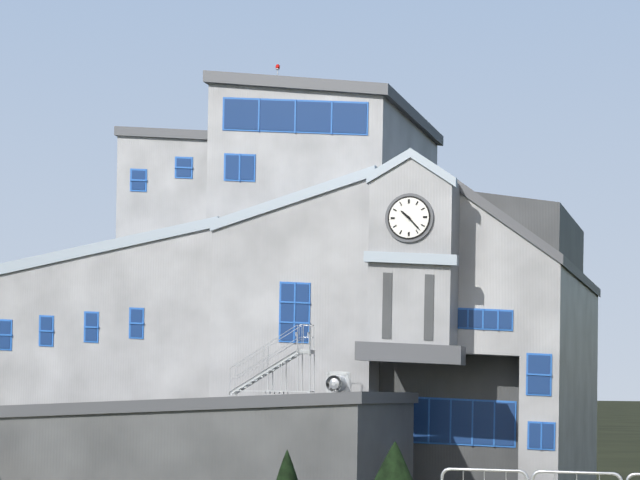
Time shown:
{"hour": 10, "minute": 23}
